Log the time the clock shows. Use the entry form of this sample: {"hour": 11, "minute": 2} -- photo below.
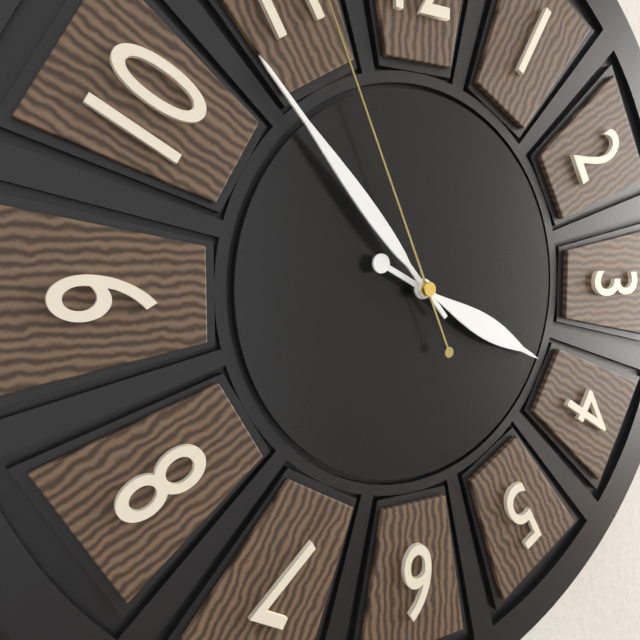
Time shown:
{"hour": 3, "minute": 53}
